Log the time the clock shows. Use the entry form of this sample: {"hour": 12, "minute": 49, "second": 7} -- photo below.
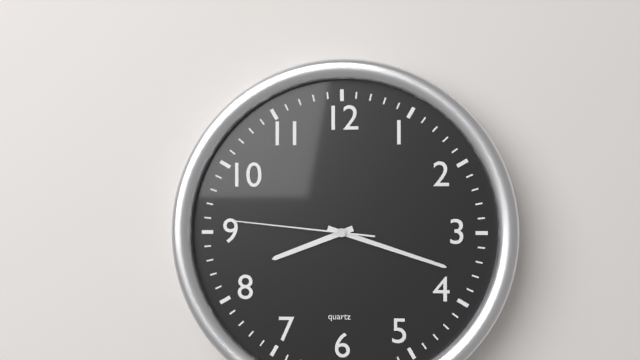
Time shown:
{"hour": 8, "minute": 18, "second": 46}
